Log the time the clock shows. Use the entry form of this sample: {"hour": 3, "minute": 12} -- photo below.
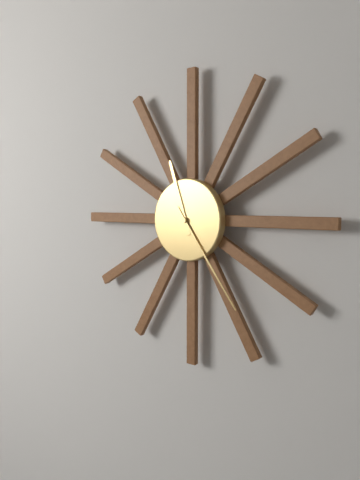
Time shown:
{"hour": 11, "minute": 24}
